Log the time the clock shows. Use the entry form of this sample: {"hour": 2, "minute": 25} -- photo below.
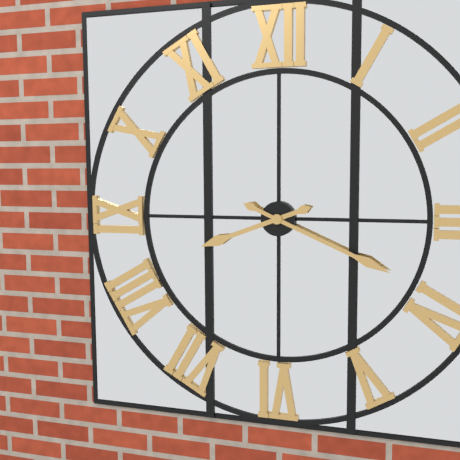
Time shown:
{"hour": 8, "minute": 19}
